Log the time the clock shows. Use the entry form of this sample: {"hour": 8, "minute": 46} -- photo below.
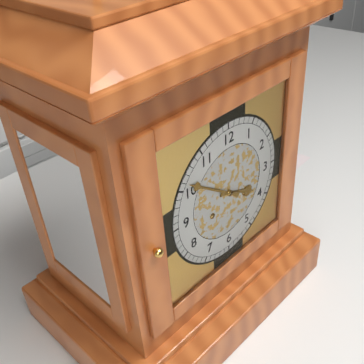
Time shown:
{"hour": 3, "minute": 51}
